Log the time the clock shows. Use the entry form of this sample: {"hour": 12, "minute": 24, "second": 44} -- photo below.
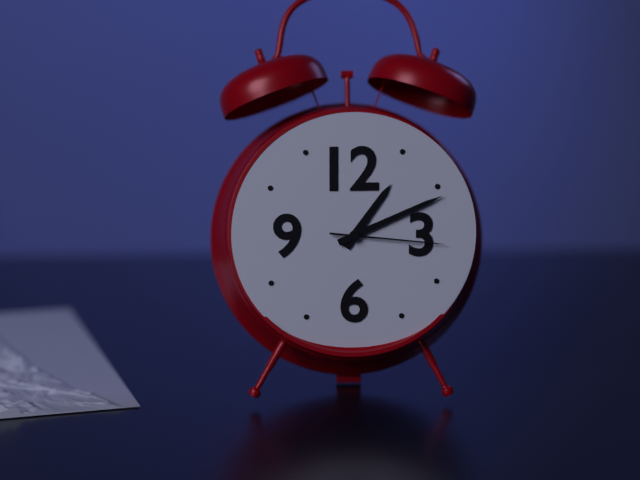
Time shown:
{"hour": 1, "minute": 11, "second": 16}
